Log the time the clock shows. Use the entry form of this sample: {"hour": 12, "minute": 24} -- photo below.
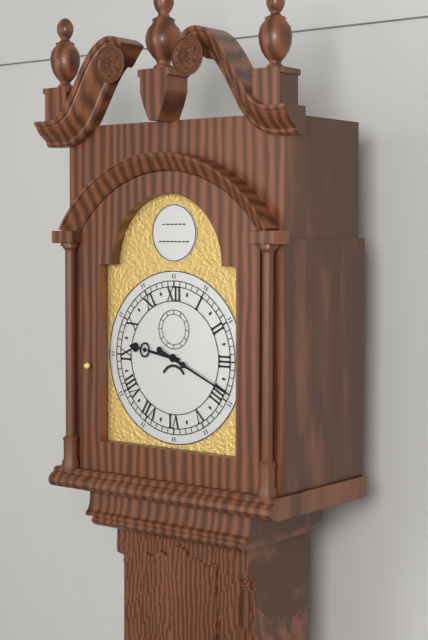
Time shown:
{"hour": 9, "minute": 19}
